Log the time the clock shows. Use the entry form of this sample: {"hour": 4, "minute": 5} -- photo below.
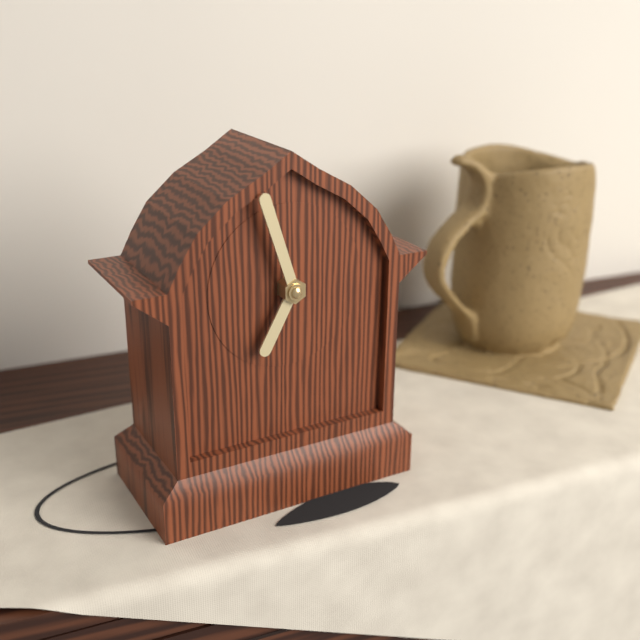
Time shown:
{"hour": 6, "minute": 57}
